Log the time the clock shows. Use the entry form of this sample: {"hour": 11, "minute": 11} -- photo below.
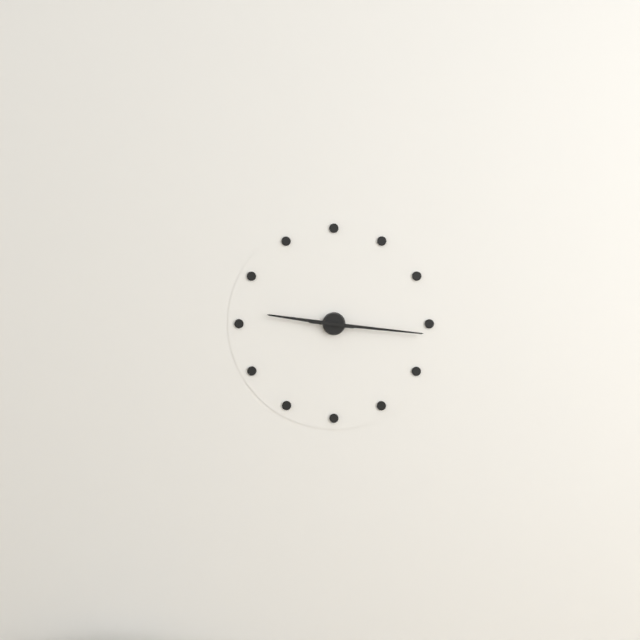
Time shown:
{"hour": 9, "minute": 16}
